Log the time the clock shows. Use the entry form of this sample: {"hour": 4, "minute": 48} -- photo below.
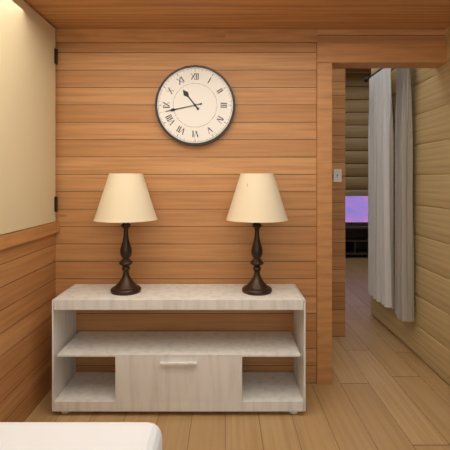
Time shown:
{"hour": 10, "minute": 43}
